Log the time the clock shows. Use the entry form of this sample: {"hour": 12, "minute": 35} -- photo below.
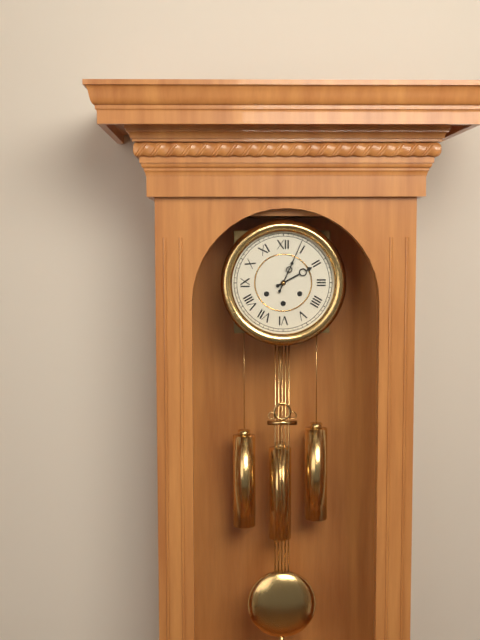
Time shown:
{"hour": 2, "minute": 4}
